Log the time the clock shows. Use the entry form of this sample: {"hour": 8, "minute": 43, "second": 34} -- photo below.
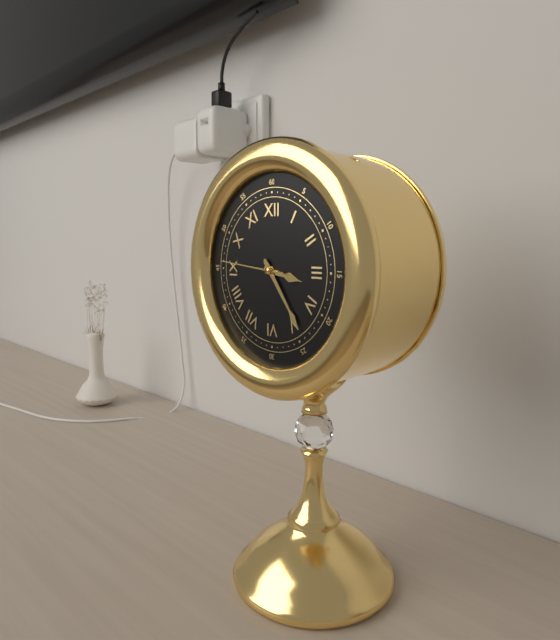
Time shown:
{"hour": 3, "minute": 24, "second": 46}
